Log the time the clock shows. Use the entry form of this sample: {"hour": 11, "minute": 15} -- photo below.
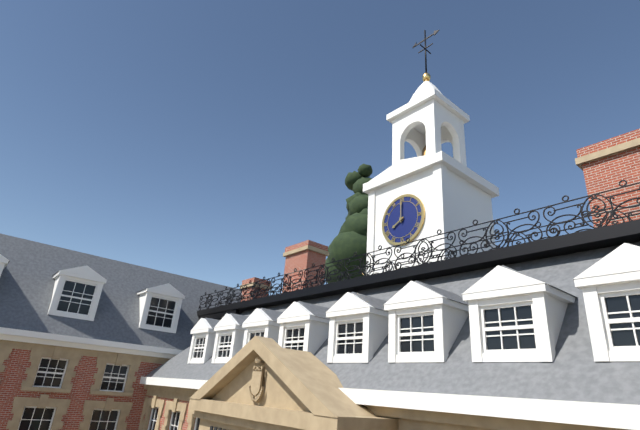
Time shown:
{"hour": 8, "minute": 0}
